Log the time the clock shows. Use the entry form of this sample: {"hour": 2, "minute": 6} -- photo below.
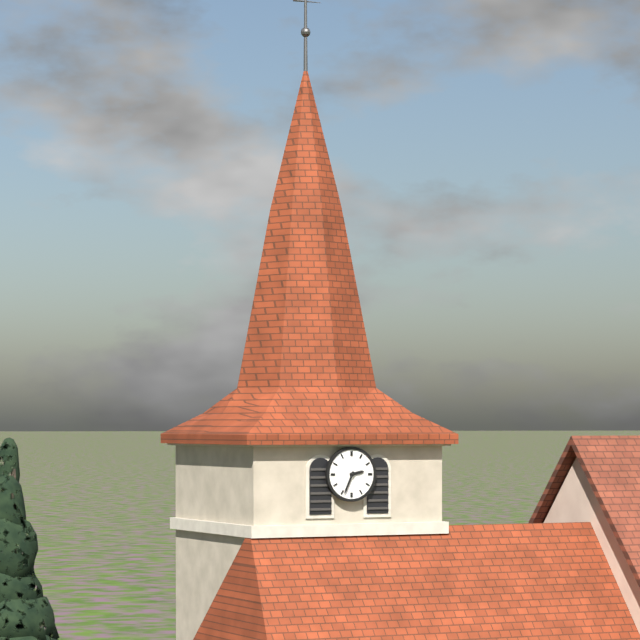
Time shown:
{"hour": 2, "minute": 34}
